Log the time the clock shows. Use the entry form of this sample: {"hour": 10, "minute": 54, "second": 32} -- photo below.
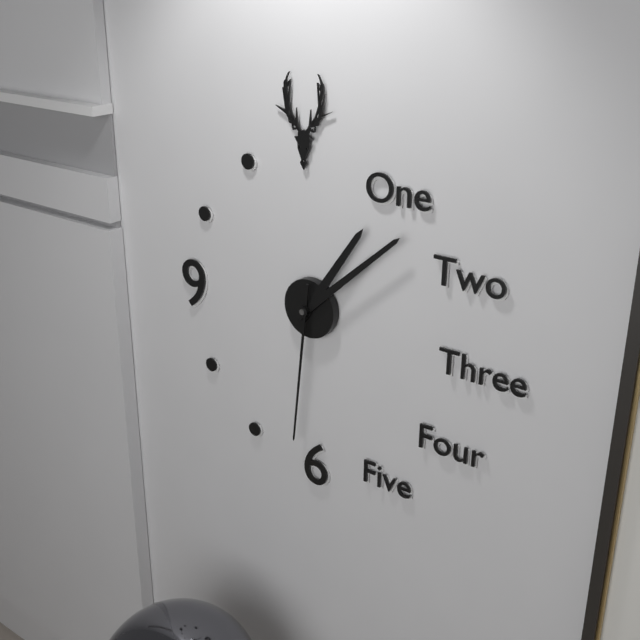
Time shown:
{"hour": 1, "minute": 8, "second": 31}
